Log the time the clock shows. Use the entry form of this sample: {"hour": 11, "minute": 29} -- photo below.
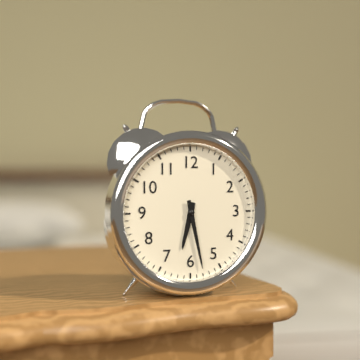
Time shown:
{"hour": 6, "minute": 28}
